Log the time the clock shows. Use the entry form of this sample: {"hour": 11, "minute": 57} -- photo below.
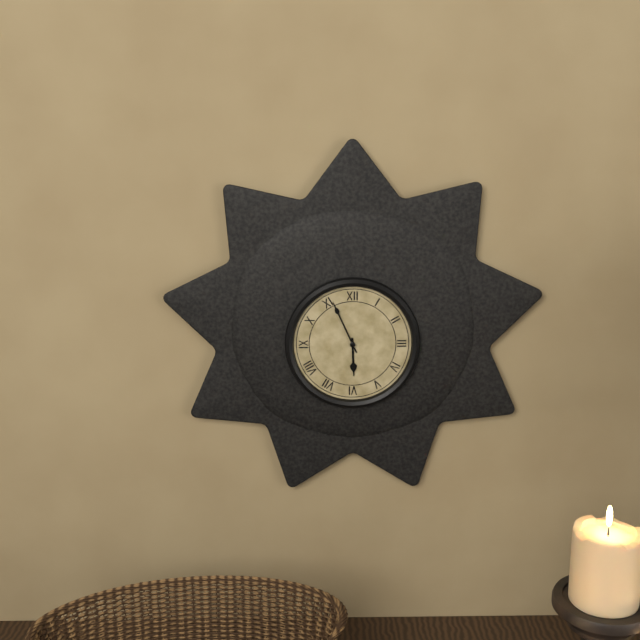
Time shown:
{"hour": 5, "minute": 56}
